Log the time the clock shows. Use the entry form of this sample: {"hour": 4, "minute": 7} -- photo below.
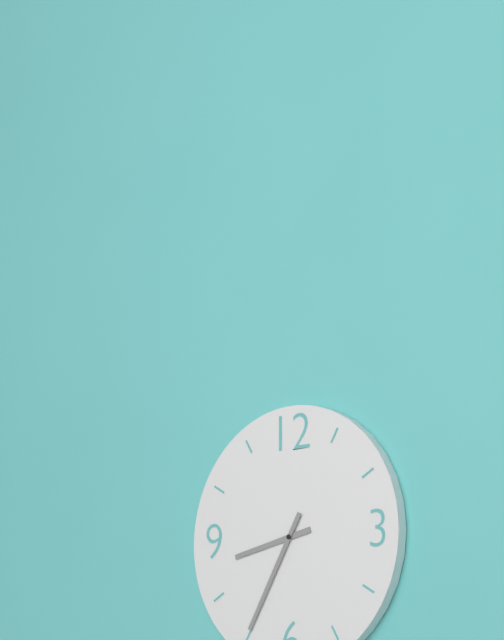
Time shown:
{"hour": 8, "minute": 35}
